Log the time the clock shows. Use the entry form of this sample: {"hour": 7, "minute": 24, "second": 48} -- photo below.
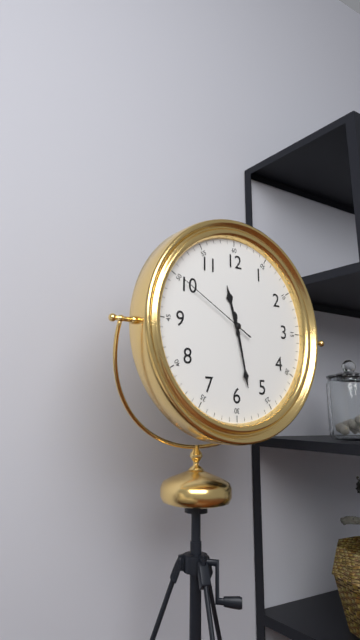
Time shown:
{"hour": 11, "minute": 28, "second": 50}
